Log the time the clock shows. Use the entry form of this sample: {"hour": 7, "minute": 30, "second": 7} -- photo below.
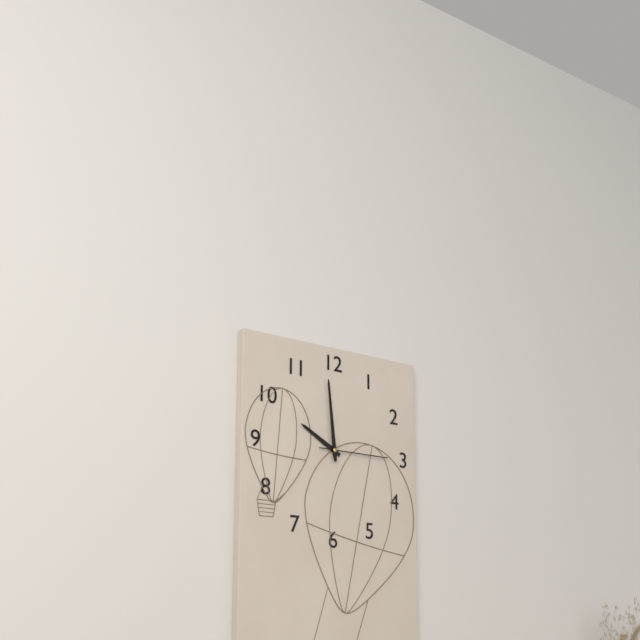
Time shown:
{"hour": 9, "minute": 59, "second": 15}
